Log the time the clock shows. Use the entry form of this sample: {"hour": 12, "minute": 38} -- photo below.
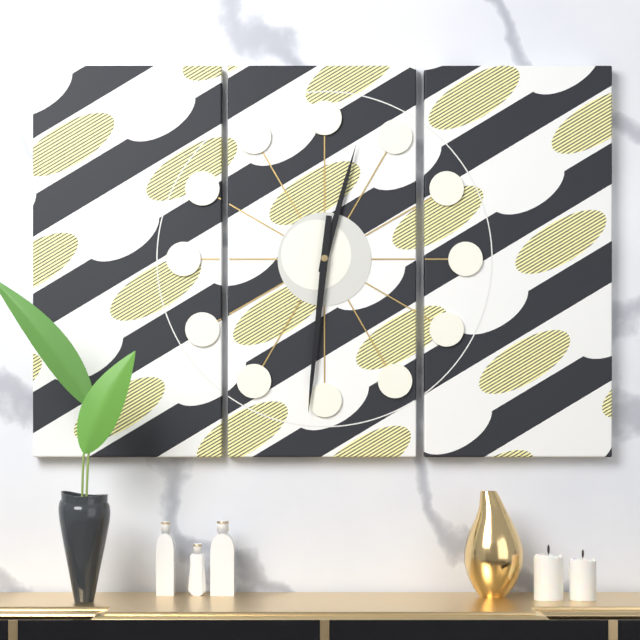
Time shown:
{"hour": 12, "minute": 31}
